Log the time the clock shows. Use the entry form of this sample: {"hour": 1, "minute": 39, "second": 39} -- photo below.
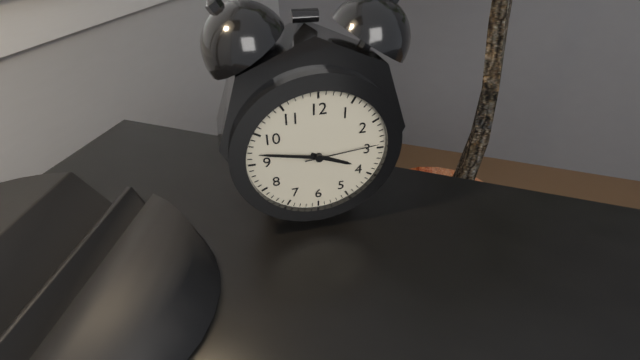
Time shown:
{"hour": 3, "minute": 47, "second": 14}
